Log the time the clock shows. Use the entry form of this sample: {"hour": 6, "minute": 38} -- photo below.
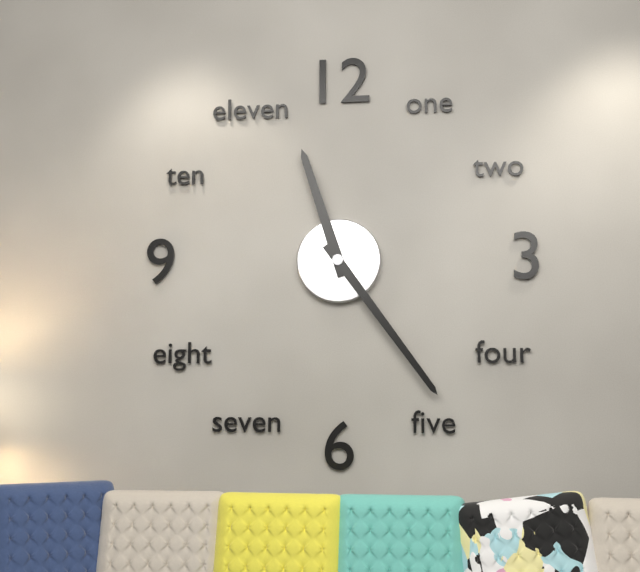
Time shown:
{"hour": 11, "minute": 24}
